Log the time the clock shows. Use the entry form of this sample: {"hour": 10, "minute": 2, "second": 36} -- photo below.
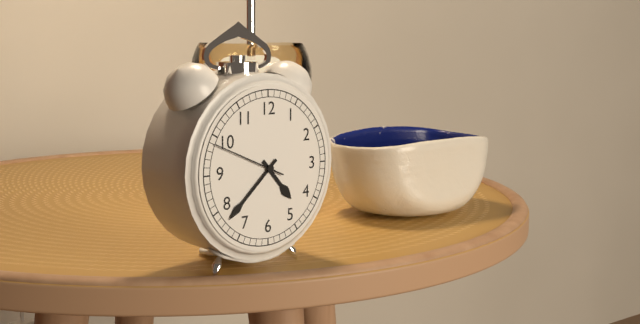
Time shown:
{"hour": 4, "minute": 38, "second": 49}
